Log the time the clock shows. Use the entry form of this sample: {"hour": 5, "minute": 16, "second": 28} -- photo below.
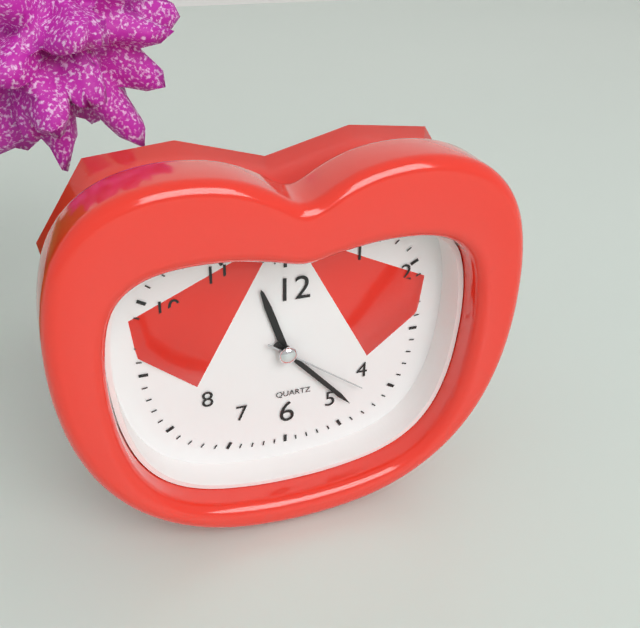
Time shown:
{"hour": 11, "minute": 23, "second": 21}
